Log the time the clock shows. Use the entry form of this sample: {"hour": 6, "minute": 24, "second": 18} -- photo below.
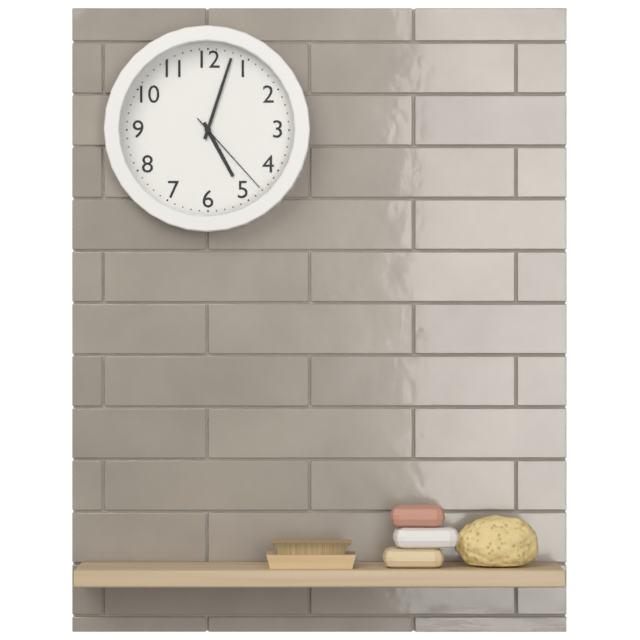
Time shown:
{"hour": 5, "minute": 3, "second": 23}
